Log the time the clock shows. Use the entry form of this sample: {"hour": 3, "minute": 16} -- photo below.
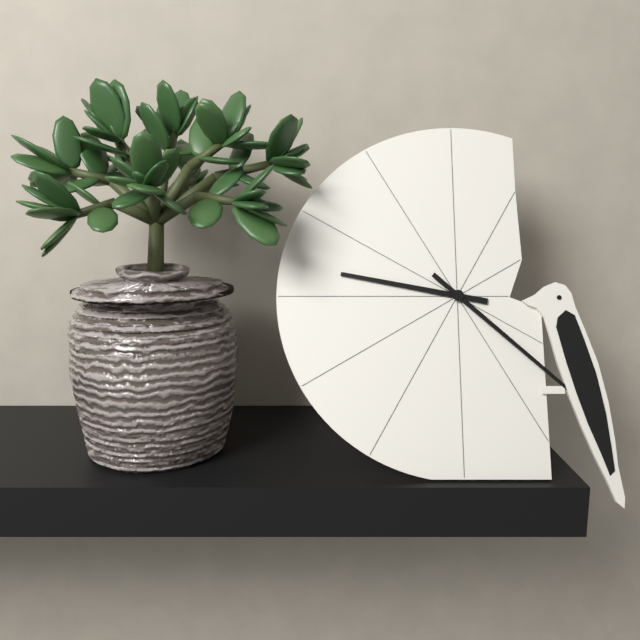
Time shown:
{"hour": 9, "minute": 22}
